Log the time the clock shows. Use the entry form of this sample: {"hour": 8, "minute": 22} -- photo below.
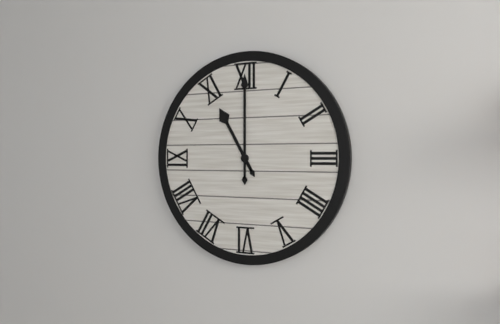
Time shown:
{"hour": 11, "minute": 0}
